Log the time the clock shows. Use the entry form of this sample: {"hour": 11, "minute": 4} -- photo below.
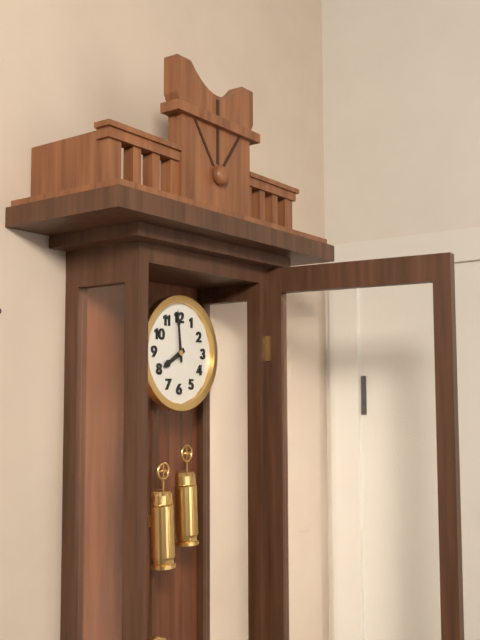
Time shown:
{"hour": 7, "minute": 59}
